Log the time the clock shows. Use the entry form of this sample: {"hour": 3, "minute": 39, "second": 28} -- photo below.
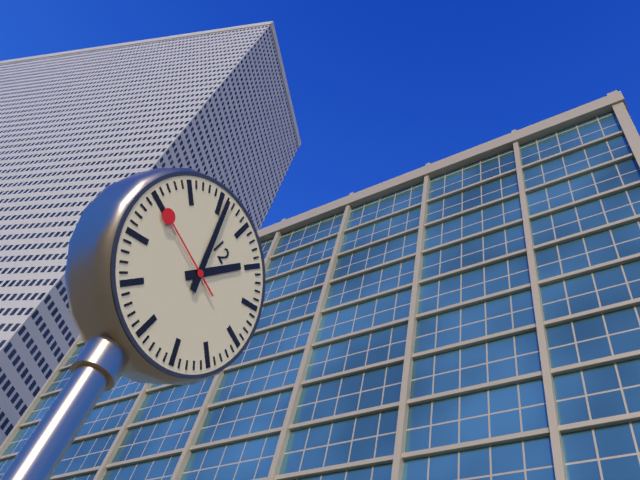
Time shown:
{"hour": 12, "minute": 56, "second": 45}
